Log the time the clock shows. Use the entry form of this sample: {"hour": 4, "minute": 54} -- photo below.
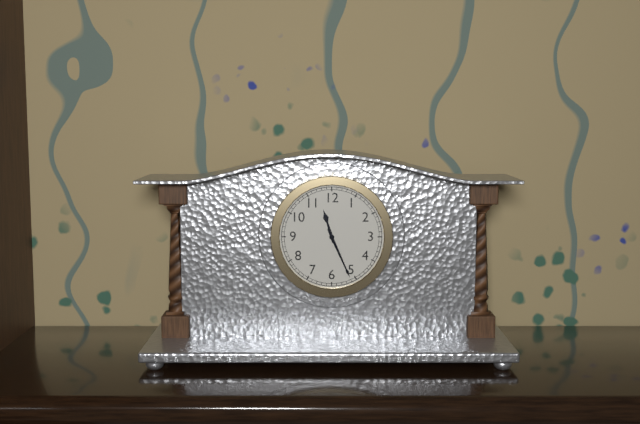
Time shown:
{"hour": 11, "minute": 26}
